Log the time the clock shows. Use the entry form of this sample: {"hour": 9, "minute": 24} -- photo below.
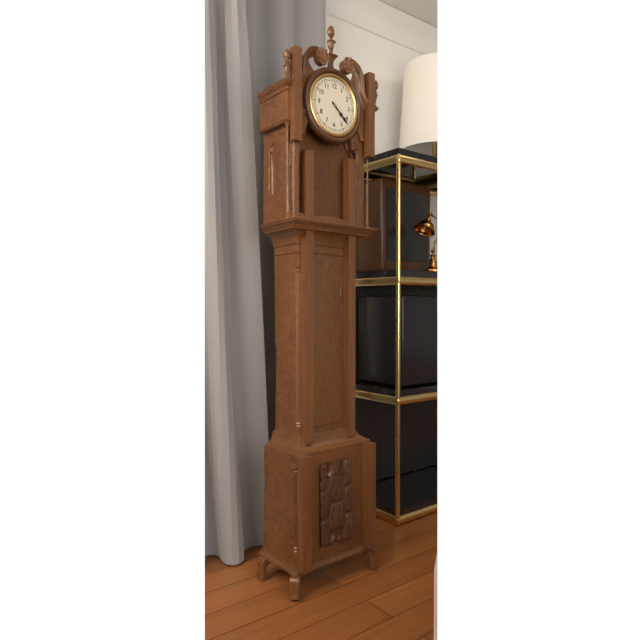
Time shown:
{"hour": 4, "minute": 22}
